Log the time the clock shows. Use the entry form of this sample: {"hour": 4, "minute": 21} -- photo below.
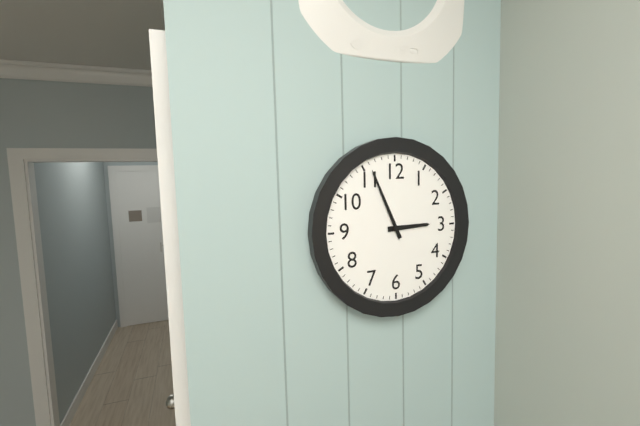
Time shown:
{"hour": 2, "minute": 56}
